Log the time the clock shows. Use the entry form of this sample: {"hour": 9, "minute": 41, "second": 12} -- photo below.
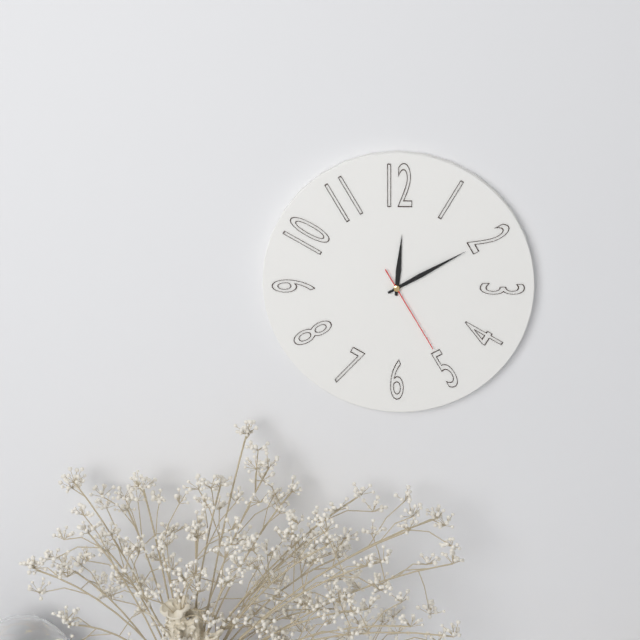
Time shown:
{"hour": 12, "minute": 10, "second": 25}
